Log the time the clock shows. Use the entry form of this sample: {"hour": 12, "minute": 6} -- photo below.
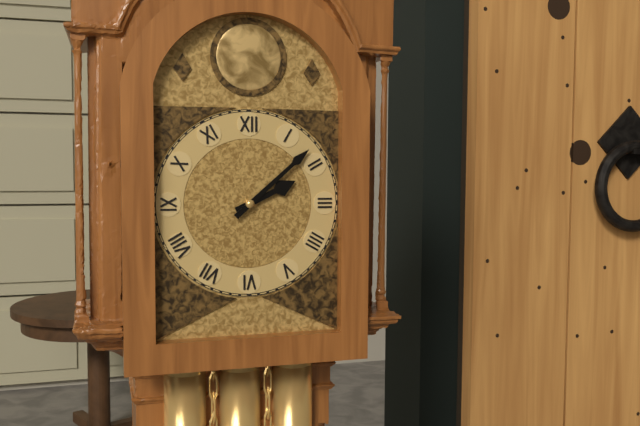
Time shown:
{"hour": 2, "minute": 8}
